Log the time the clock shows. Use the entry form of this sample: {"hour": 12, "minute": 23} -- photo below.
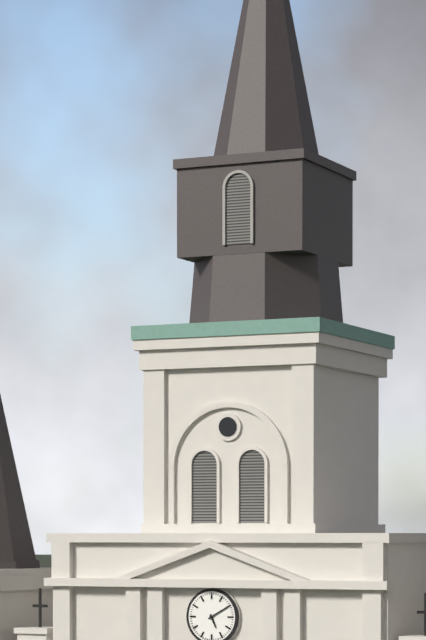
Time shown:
{"hour": 5, "minute": 10}
